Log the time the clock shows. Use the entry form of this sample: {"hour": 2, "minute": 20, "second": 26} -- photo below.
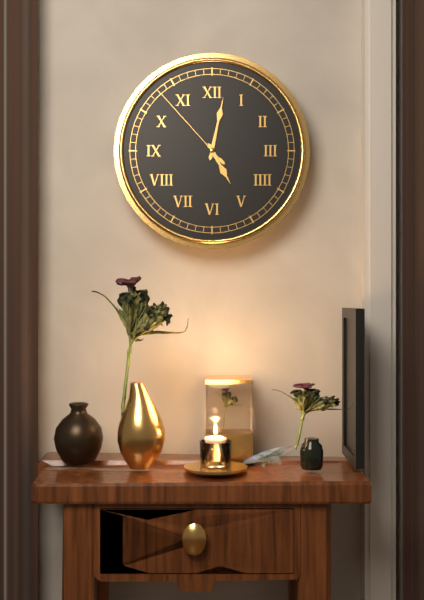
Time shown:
{"hour": 5, "minute": 2, "second": 53}
